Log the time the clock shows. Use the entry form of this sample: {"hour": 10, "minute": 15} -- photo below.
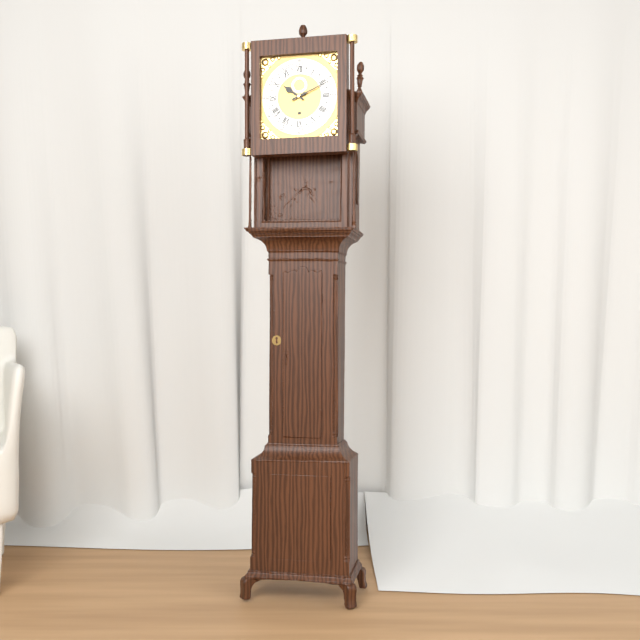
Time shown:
{"hour": 10, "minute": 11}
